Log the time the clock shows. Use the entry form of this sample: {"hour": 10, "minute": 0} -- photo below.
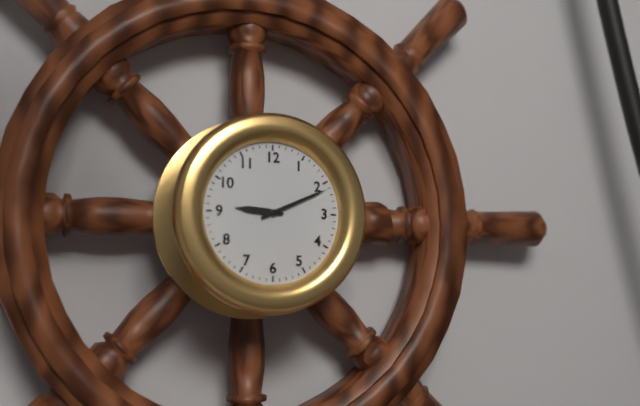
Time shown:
{"hour": 9, "minute": 11}
